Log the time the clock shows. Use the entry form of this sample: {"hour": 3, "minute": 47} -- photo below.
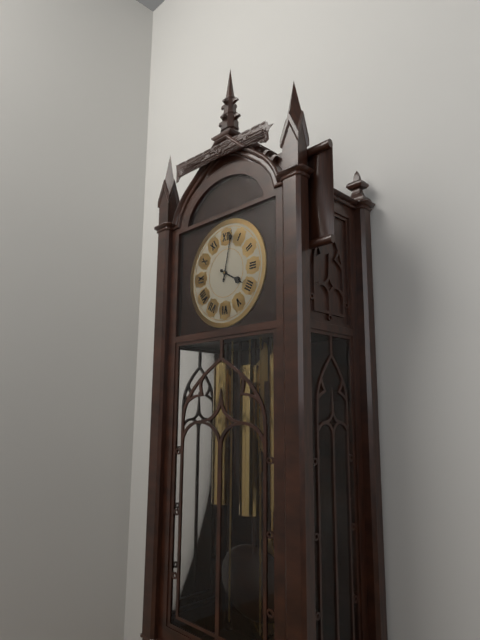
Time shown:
{"hour": 4, "minute": 2}
